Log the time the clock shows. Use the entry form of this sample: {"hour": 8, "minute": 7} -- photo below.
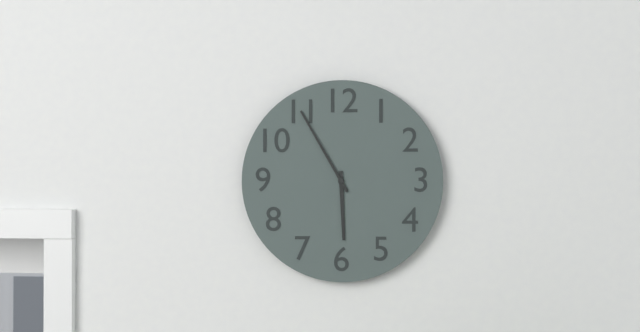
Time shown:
{"hour": 5, "minute": 55}
